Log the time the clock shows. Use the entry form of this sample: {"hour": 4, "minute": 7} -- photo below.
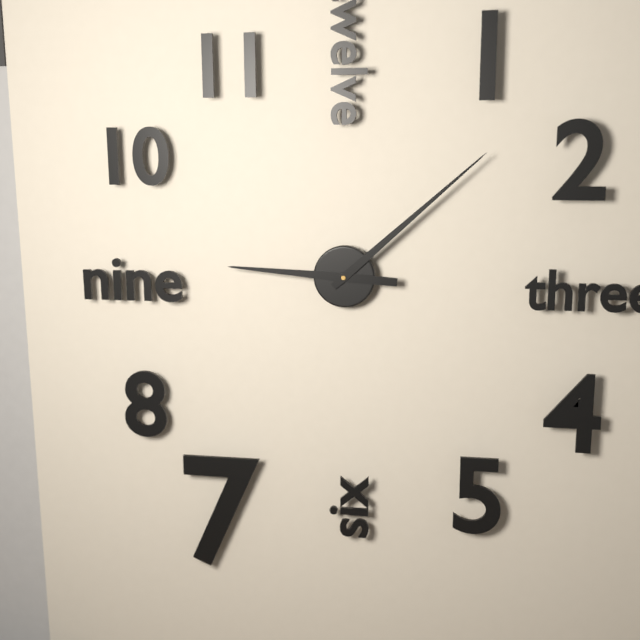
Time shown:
{"hour": 9, "minute": 8}
